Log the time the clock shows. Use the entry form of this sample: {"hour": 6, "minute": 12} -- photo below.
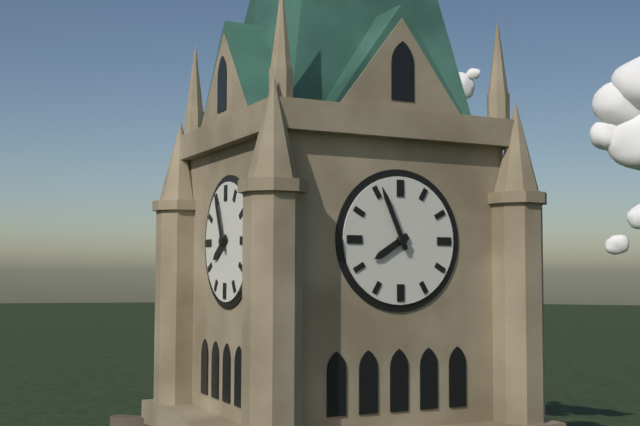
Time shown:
{"hour": 7, "minute": 56}
